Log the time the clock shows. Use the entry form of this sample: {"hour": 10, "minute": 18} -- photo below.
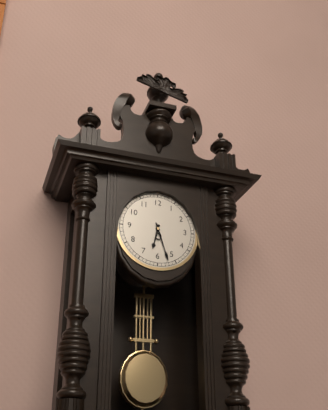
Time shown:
{"hour": 6, "minute": 27}
